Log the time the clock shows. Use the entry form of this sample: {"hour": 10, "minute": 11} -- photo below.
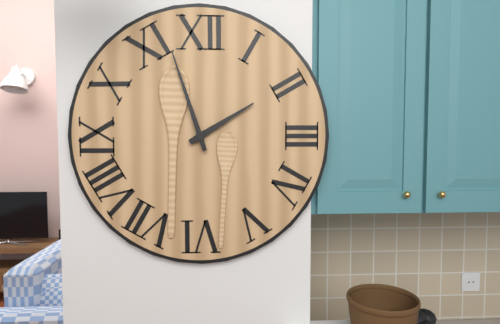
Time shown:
{"hour": 1, "minute": 57}
